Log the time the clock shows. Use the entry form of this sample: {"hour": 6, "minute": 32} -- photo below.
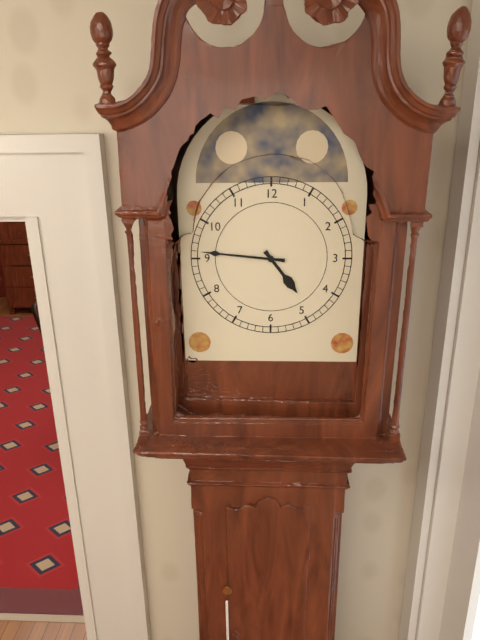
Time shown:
{"hour": 4, "minute": 46}
